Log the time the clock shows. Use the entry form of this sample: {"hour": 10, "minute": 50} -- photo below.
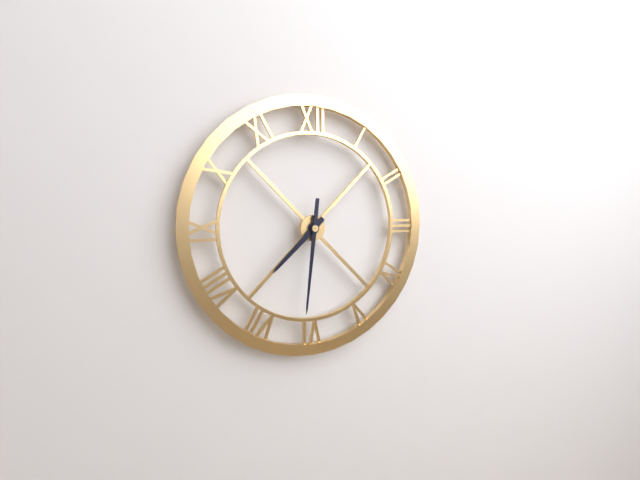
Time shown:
{"hour": 7, "minute": 31}
